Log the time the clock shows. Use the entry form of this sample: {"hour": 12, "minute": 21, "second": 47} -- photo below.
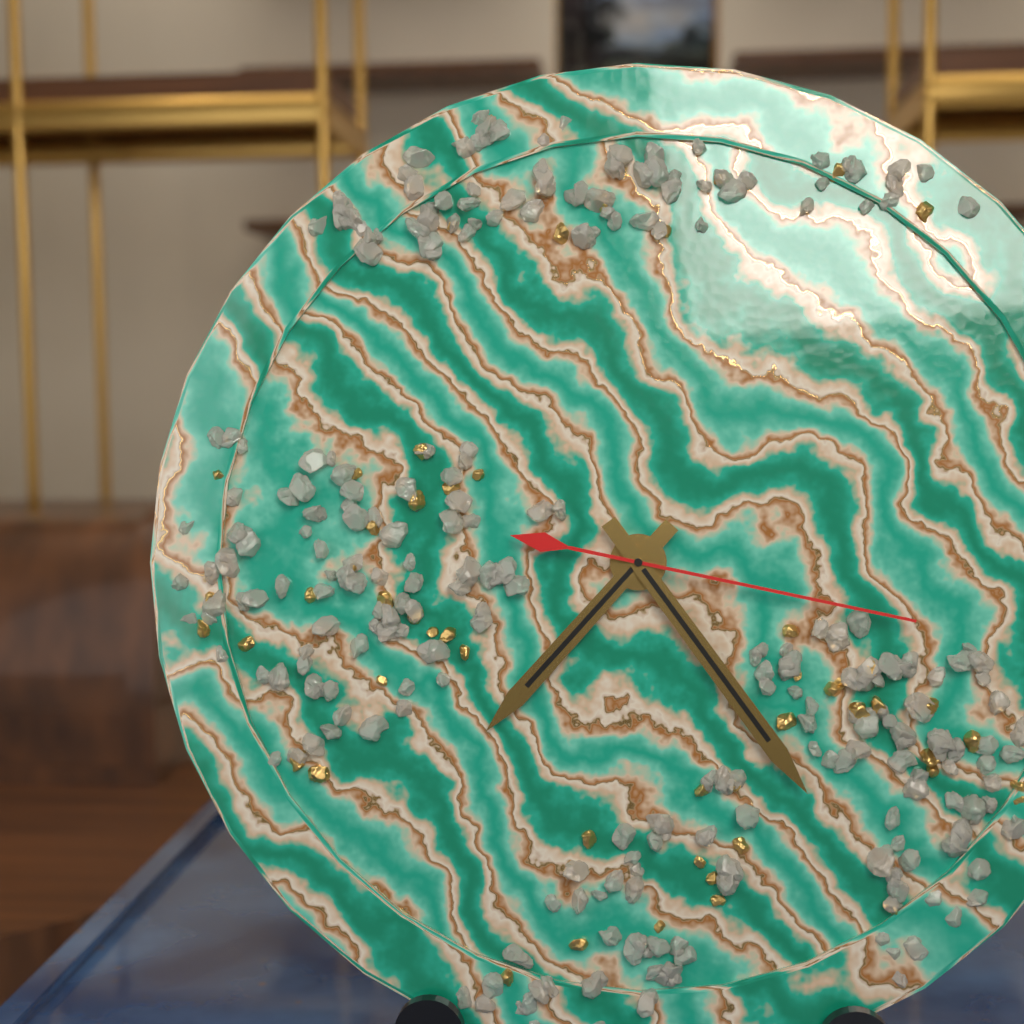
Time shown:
{"hour": 7, "minute": 24, "second": 17}
